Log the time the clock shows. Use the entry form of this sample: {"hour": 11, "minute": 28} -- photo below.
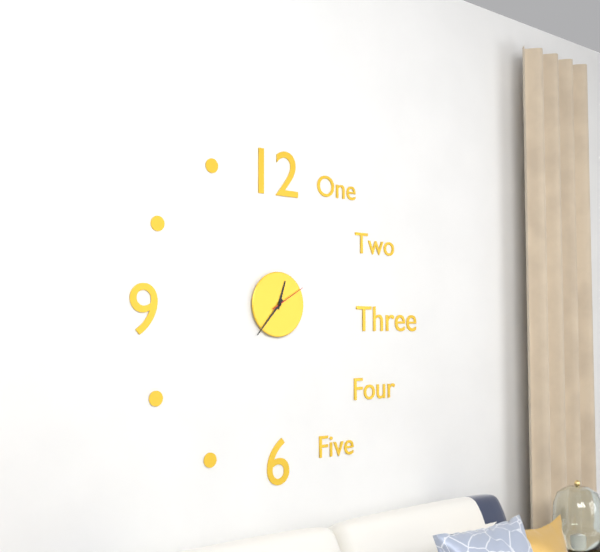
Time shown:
{"hour": 12, "minute": 37}
